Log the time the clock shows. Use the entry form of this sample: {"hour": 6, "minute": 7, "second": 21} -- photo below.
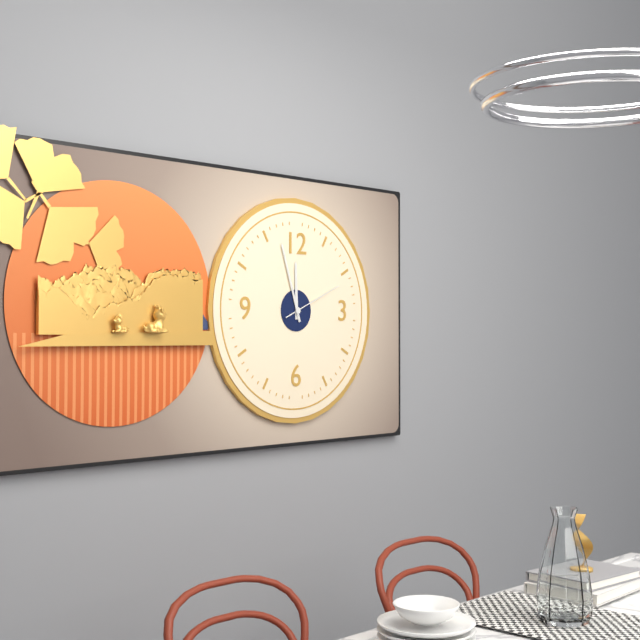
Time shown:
{"hour": 11, "minute": 57, "second": 11}
